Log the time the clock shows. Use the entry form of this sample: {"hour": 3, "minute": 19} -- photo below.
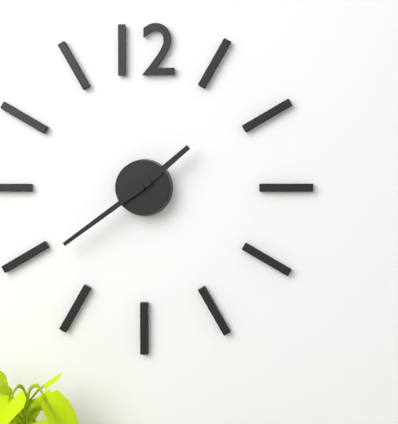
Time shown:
{"hour": 1, "minute": 39}
